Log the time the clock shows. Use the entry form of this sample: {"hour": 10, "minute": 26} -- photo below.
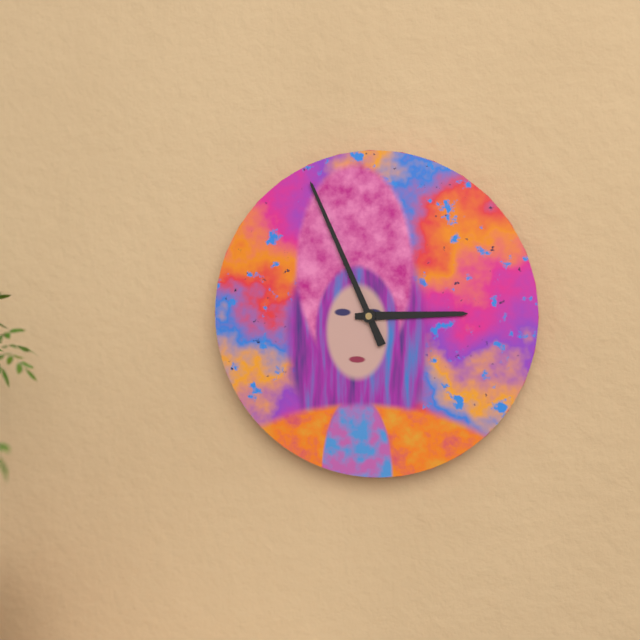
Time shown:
{"hour": 2, "minute": 56}
